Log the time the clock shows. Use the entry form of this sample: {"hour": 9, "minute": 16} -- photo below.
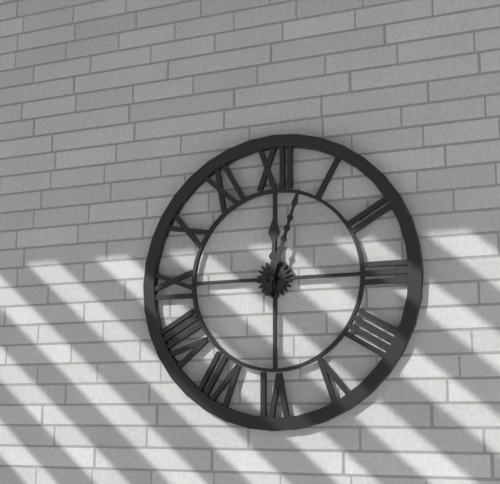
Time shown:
{"hour": 12, "minute": 3}
